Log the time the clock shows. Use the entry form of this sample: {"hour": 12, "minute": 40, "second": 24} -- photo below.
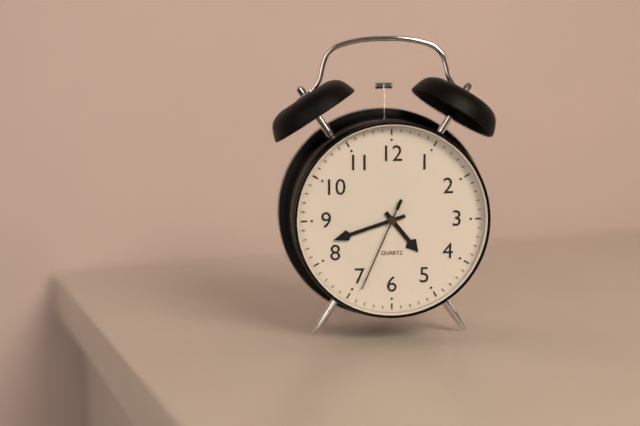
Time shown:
{"hour": 4, "minute": 42, "second": 34}
